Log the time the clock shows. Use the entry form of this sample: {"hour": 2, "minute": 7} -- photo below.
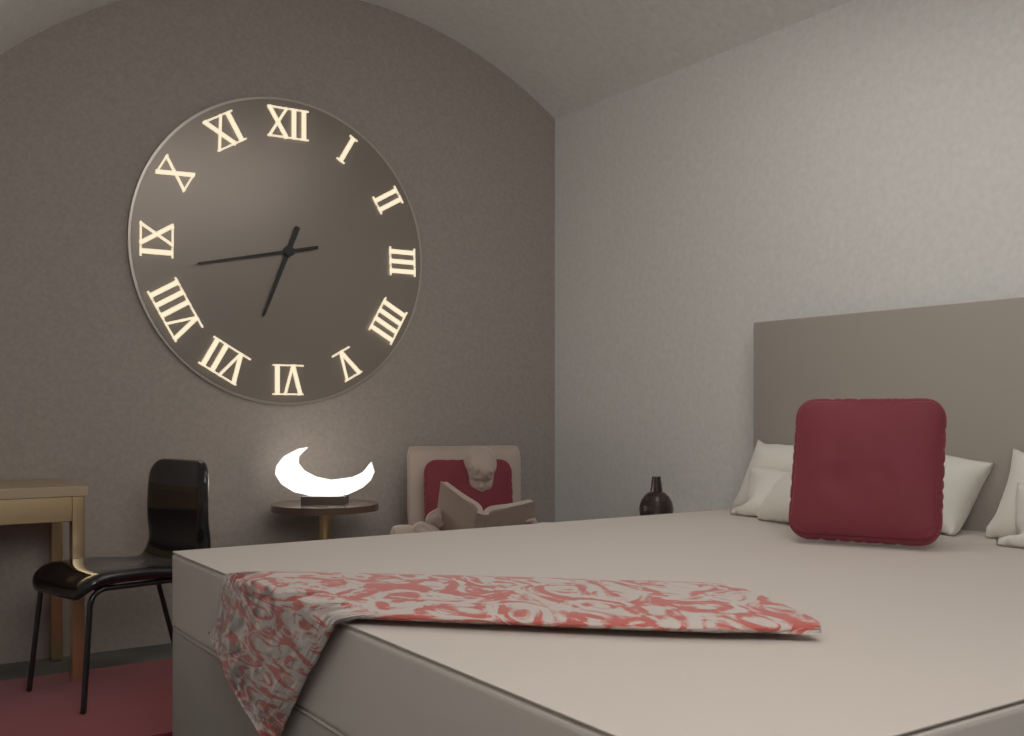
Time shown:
{"hour": 6, "minute": 43}
